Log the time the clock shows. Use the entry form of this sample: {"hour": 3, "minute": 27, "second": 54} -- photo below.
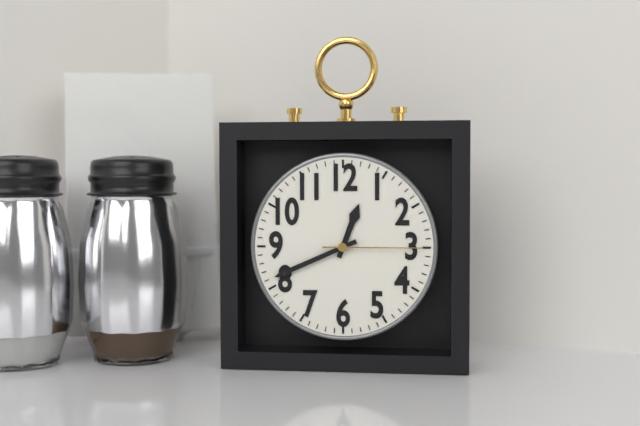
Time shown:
{"hour": 12, "minute": 41, "second": 15}
